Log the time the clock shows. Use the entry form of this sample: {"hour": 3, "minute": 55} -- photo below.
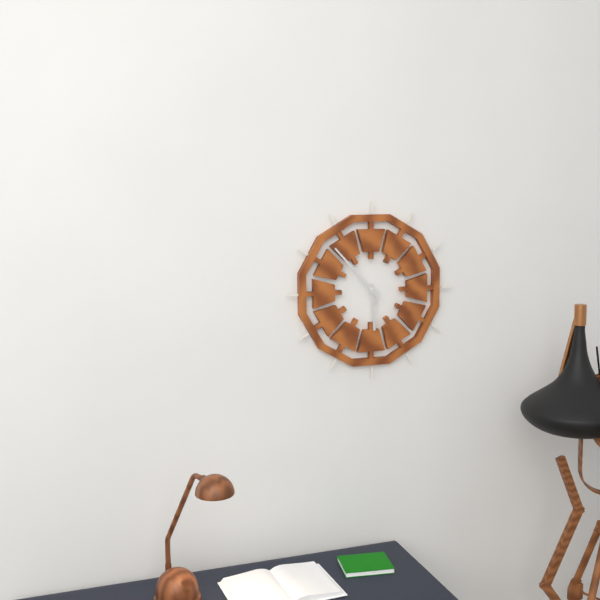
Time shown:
{"hour": 5, "minute": 53}
